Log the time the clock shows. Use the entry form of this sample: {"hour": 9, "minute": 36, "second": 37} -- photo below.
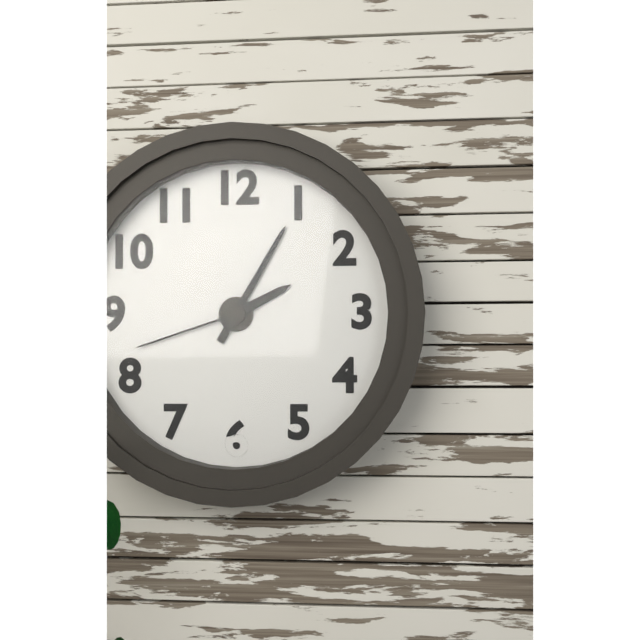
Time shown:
{"hour": 2, "minute": 5, "second": 42}
